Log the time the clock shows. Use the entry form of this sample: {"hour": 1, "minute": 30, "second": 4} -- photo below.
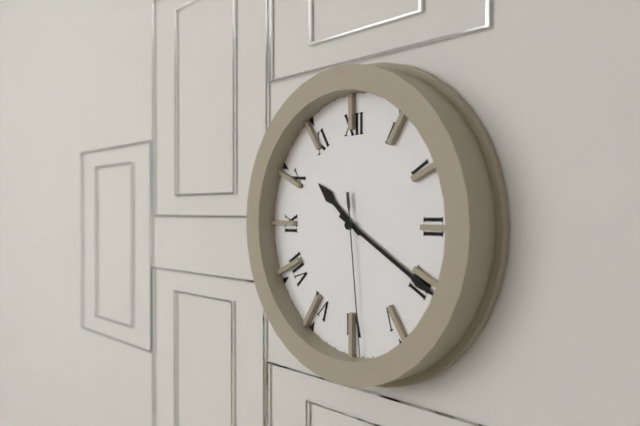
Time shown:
{"hour": 10, "minute": 20, "second": 29}
